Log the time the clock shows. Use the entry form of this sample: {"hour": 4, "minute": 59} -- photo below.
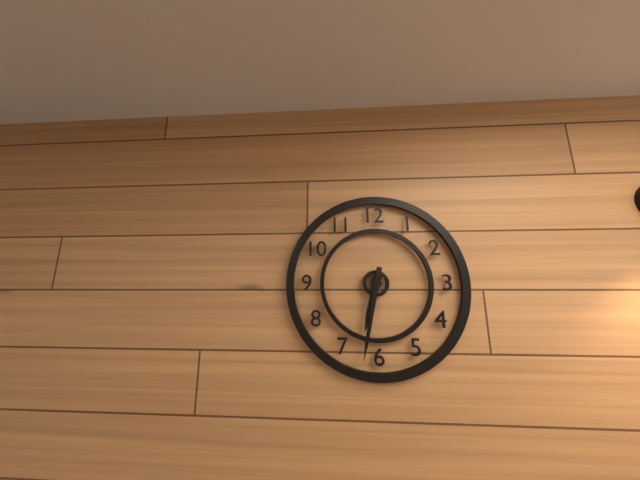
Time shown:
{"hour": 6, "minute": 32}
